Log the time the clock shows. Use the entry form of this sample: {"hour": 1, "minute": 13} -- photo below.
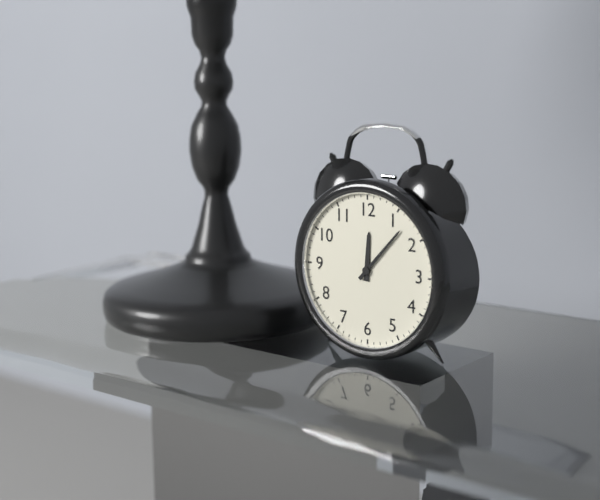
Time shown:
{"hour": 12, "minute": 7}
